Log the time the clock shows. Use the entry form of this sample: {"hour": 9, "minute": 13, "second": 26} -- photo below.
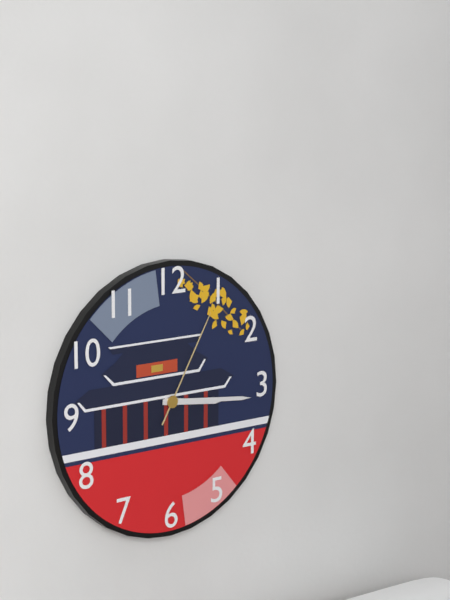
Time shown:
{"hour": 3, "minute": 16, "second": 5}
